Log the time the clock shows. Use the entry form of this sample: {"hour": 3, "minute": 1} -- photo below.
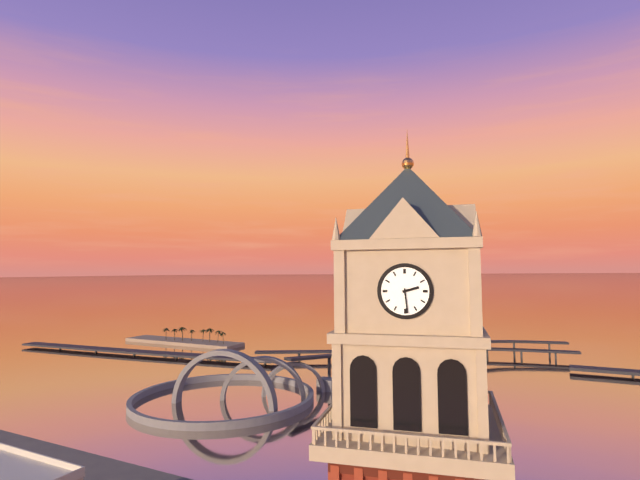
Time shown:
{"hour": 2, "minute": 29}
